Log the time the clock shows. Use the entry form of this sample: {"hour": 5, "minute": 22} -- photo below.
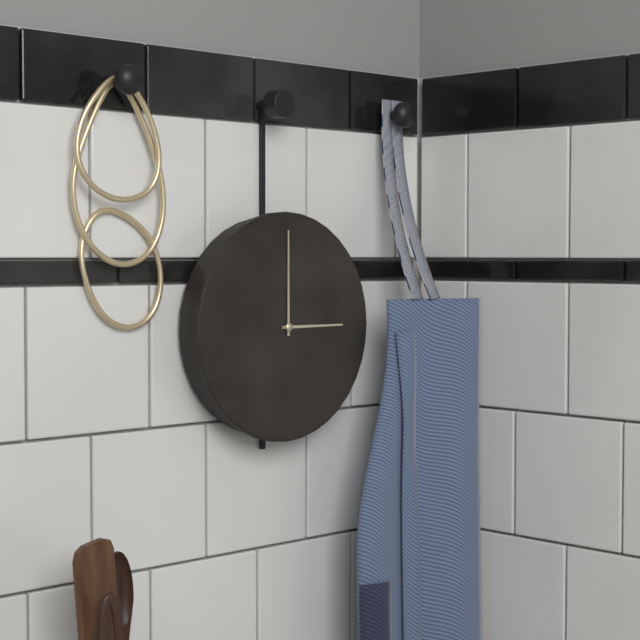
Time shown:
{"hour": 3, "minute": 0}
